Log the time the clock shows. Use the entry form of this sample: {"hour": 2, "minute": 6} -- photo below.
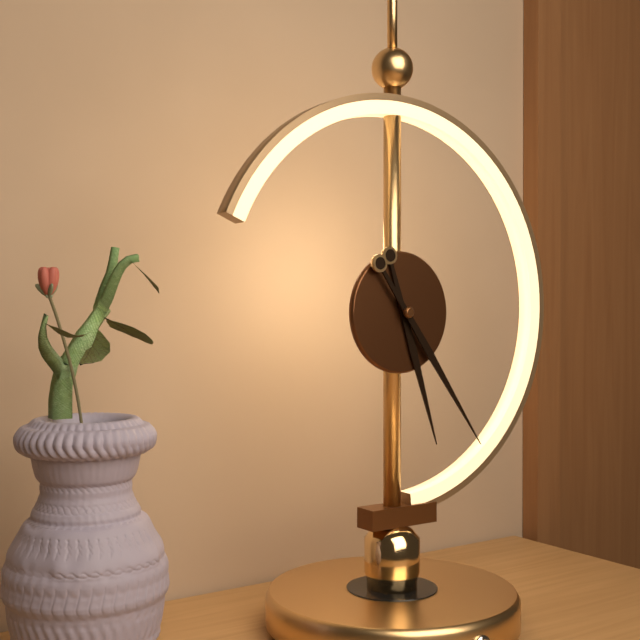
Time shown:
{"hour": 5, "minute": 24}
